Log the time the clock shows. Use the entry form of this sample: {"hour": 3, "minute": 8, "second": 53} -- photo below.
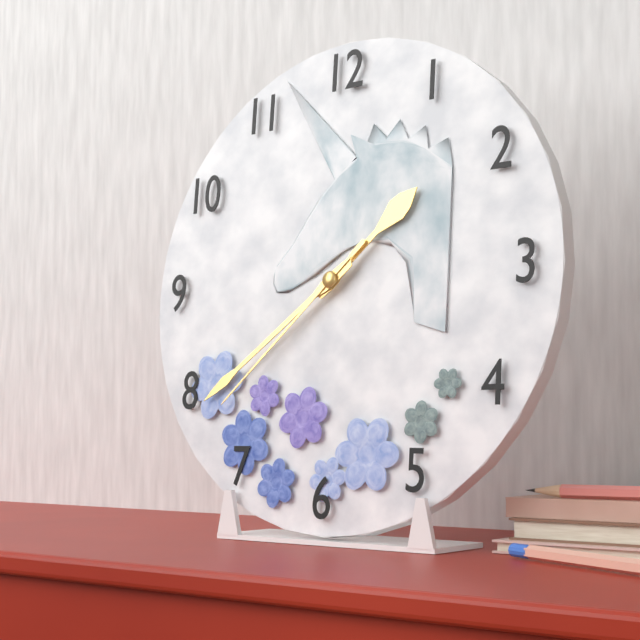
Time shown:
{"hour": 1, "minute": 39, "second": 38}
